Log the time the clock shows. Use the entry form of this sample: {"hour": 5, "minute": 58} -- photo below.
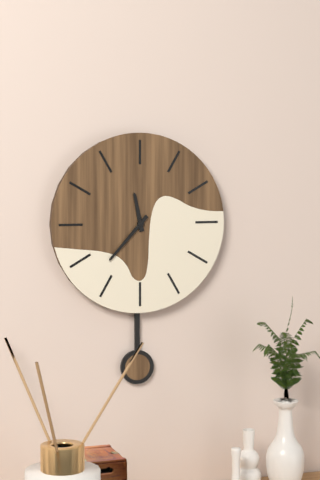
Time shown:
{"hour": 11, "minute": 37}
